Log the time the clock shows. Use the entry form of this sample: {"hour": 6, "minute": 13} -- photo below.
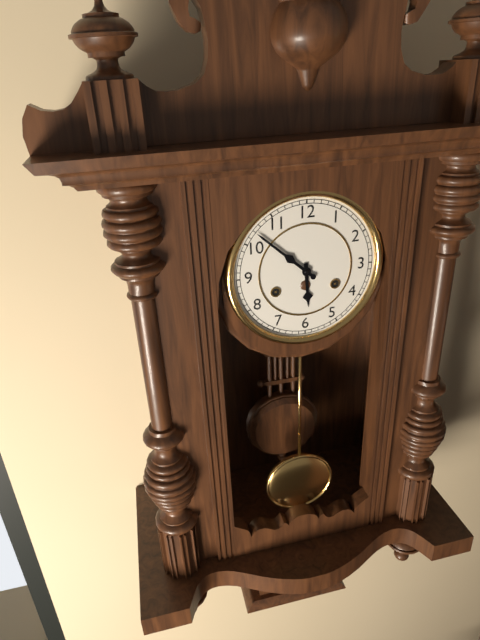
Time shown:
{"hour": 5, "minute": 52}
